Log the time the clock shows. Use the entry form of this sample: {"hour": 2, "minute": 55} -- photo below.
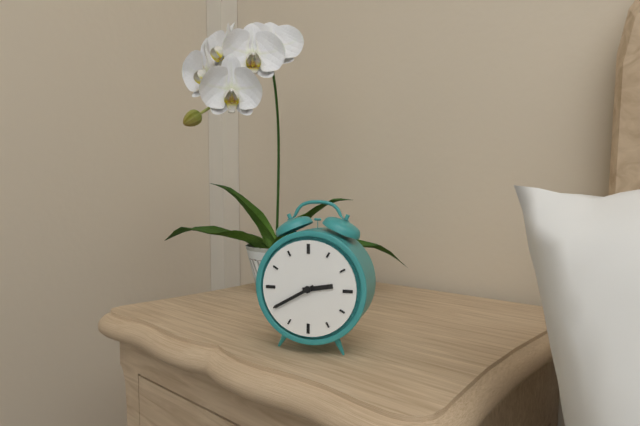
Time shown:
{"hour": 2, "minute": 40}
